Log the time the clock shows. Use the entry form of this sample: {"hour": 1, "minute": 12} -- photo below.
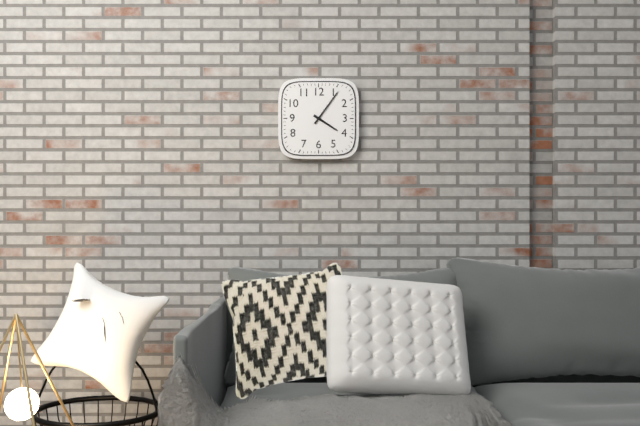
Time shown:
{"hour": 4, "minute": 6}
